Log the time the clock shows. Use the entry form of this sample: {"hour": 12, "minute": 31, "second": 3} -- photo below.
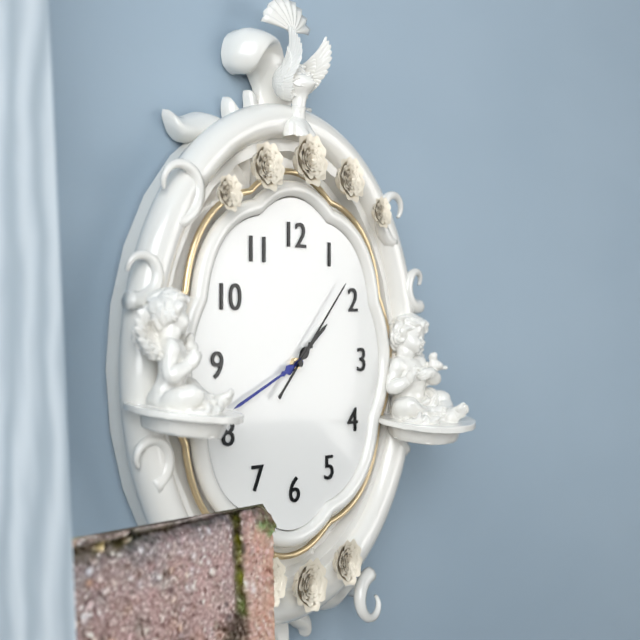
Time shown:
{"hour": 1, "minute": 41, "second": 7}
